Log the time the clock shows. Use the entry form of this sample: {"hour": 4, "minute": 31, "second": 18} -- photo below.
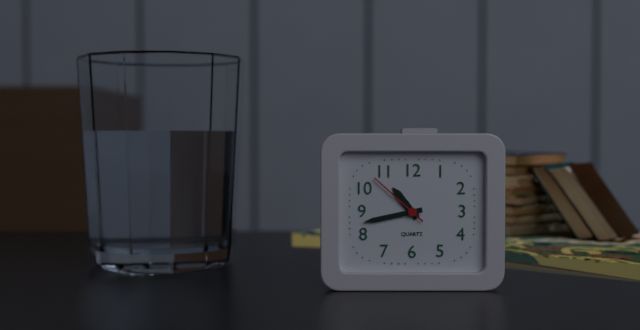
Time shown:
{"hour": 10, "minute": 43, "second": 52}
